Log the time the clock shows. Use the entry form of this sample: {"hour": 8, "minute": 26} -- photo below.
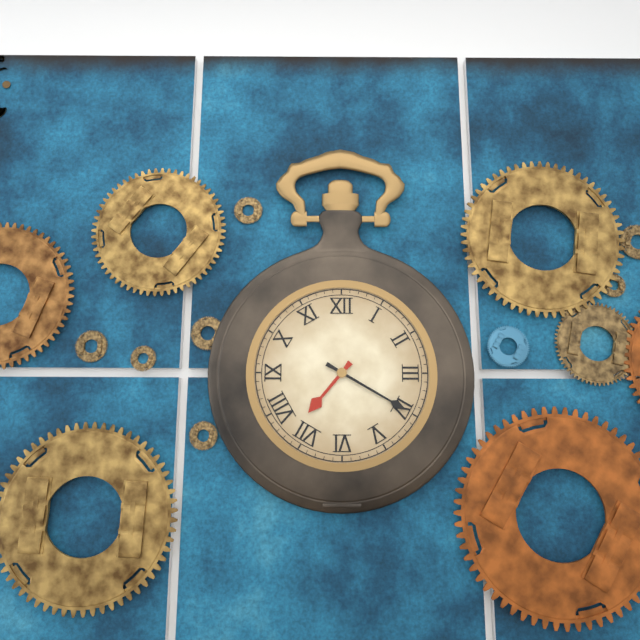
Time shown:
{"hour": 7, "minute": 20}
